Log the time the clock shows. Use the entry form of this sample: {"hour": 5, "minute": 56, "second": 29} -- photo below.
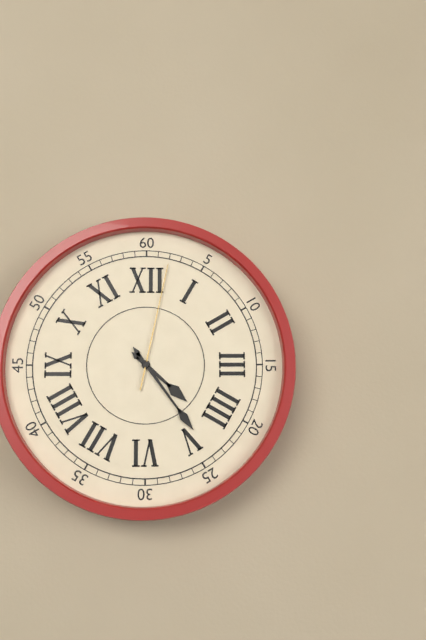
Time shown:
{"hour": 4, "minute": 24, "second": 2}
